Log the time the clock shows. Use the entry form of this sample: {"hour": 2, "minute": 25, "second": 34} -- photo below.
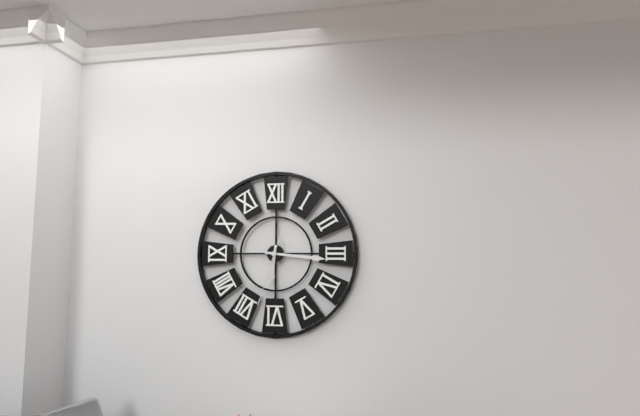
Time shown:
{"hour": 6, "minute": 16, "second": 33}
